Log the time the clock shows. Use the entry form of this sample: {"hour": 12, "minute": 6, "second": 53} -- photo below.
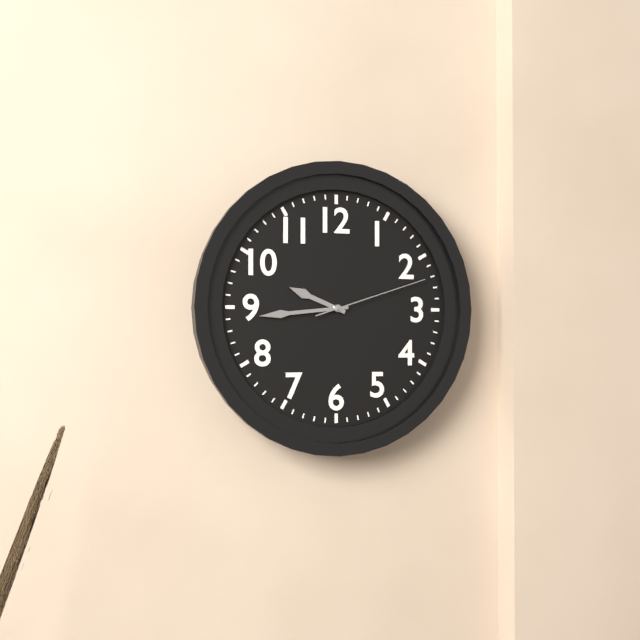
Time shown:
{"hour": 9, "minute": 44, "second": 12}
